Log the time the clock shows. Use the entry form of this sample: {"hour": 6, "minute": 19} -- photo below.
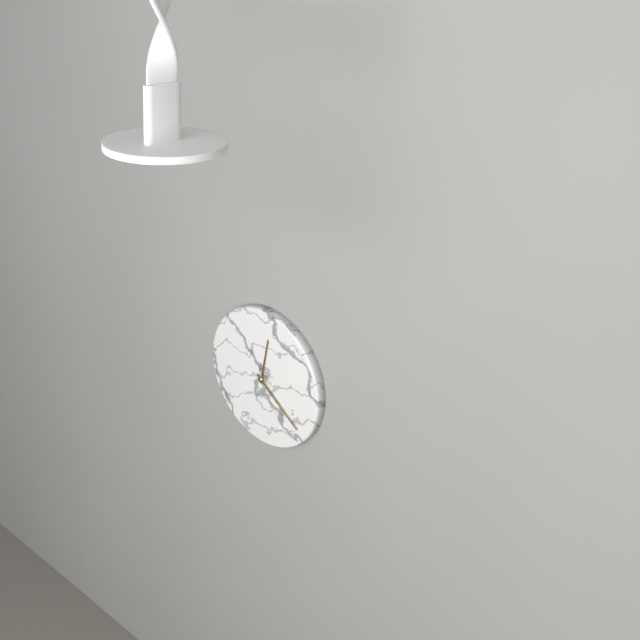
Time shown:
{"hour": 12, "minute": 21}
